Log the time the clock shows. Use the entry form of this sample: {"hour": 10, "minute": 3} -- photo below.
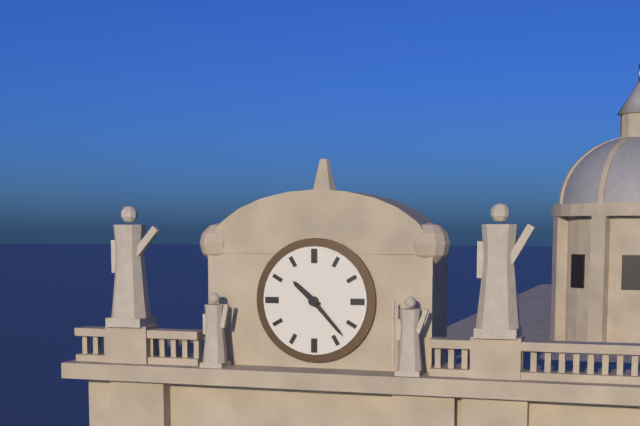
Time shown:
{"hour": 10, "minute": 23}
